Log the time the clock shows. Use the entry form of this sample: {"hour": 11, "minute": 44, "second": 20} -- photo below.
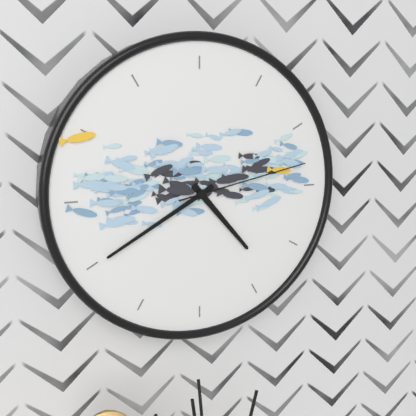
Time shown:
{"hour": 4, "minute": 40, "second": 13}
